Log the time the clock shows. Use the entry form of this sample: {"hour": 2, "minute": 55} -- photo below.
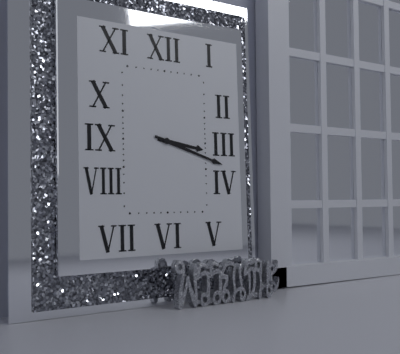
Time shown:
{"hour": 3, "minute": 18}
